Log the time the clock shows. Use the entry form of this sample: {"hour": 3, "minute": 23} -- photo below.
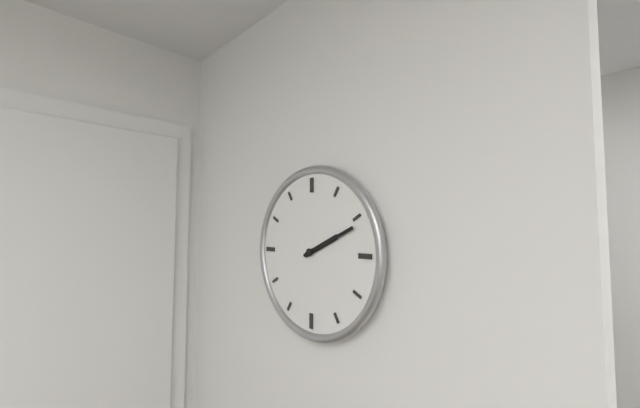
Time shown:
{"hour": 2, "minute": 11}
